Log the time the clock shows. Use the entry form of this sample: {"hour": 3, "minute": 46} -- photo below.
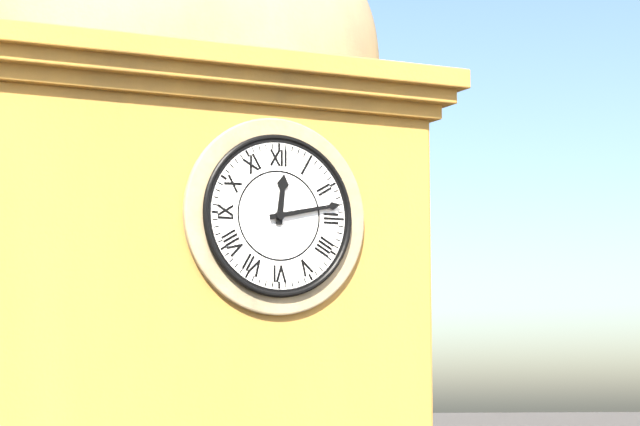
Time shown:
{"hour": 12, "minute": 13}
